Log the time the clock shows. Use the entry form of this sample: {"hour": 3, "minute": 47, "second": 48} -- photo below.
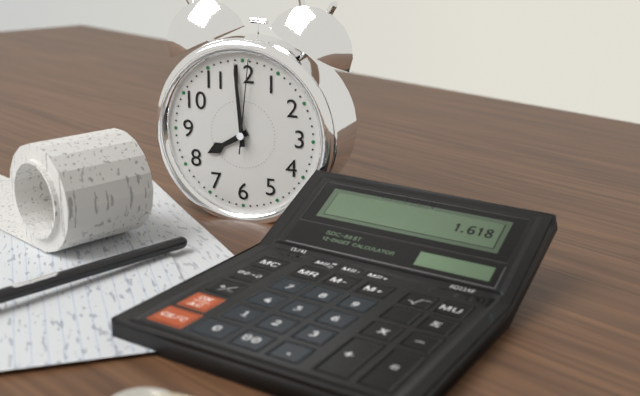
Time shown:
{"hour": 7, "minute": 59, "second": 1}
